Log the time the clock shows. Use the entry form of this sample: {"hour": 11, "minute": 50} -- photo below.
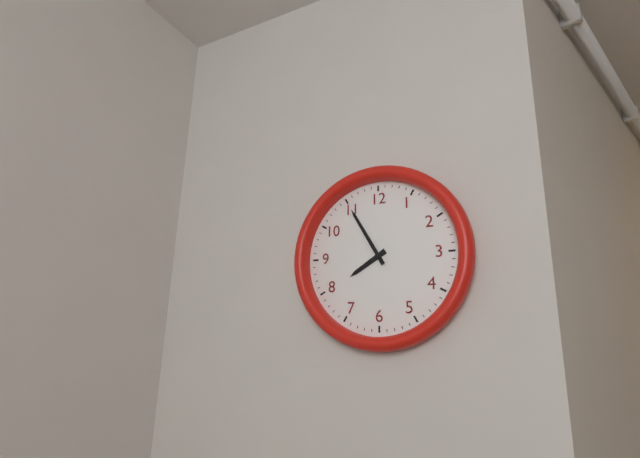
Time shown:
{"hour": 7, "minute": 55}
